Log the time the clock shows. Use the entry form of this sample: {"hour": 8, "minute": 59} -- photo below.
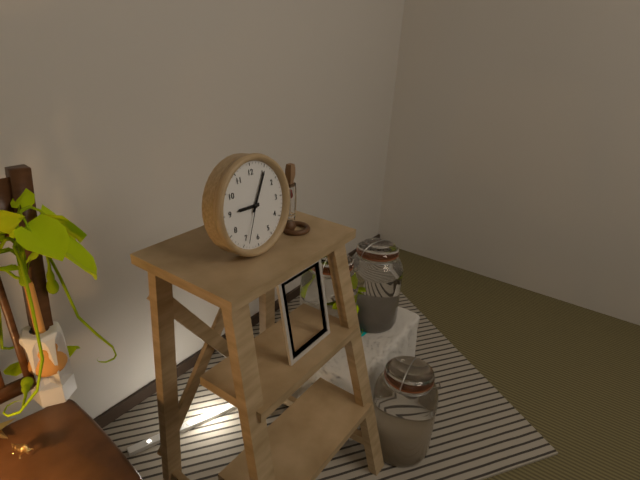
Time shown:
{"hour": 9, "minute": 5}
